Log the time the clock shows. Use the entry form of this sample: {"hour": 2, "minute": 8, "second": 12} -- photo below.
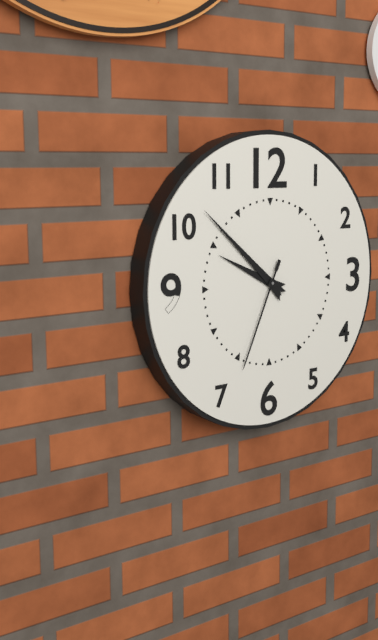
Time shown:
{"hour": 9, "minute": 52, "second": 34}
